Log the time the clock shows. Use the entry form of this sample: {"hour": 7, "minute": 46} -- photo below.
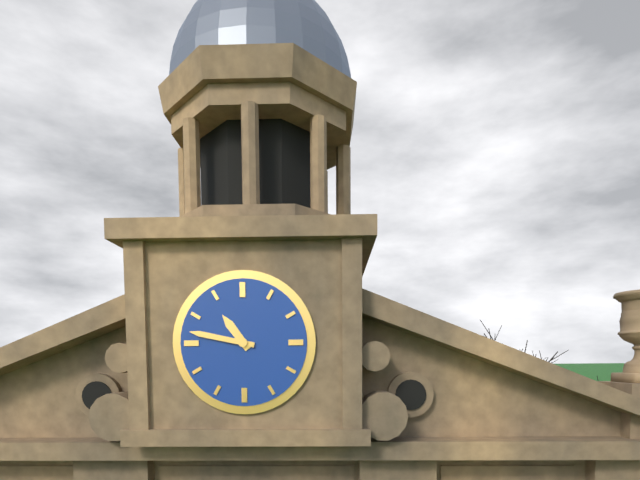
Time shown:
{"hour": 10, "minute": 47}
